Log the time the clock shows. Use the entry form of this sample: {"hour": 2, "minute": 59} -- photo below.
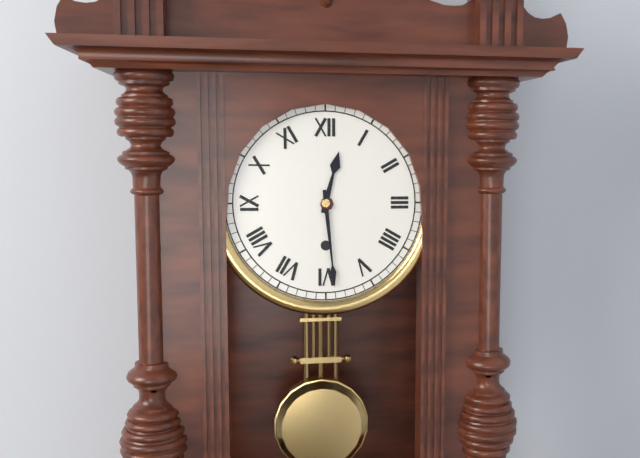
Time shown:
{"hour": 12, "minute": 29}
